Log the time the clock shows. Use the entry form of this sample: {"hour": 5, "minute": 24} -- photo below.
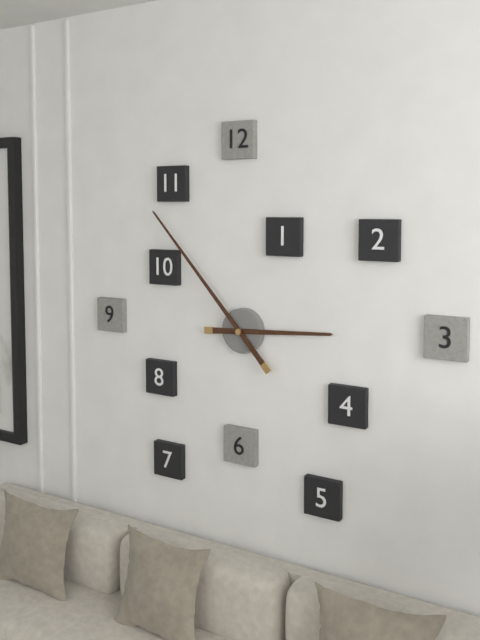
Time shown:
{"hour": 2, "minute": 53}
